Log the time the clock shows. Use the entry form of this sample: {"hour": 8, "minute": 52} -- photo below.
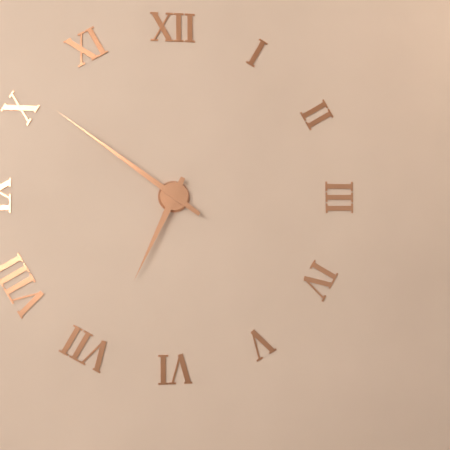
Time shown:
{"hour": 6, "minute": 51}
